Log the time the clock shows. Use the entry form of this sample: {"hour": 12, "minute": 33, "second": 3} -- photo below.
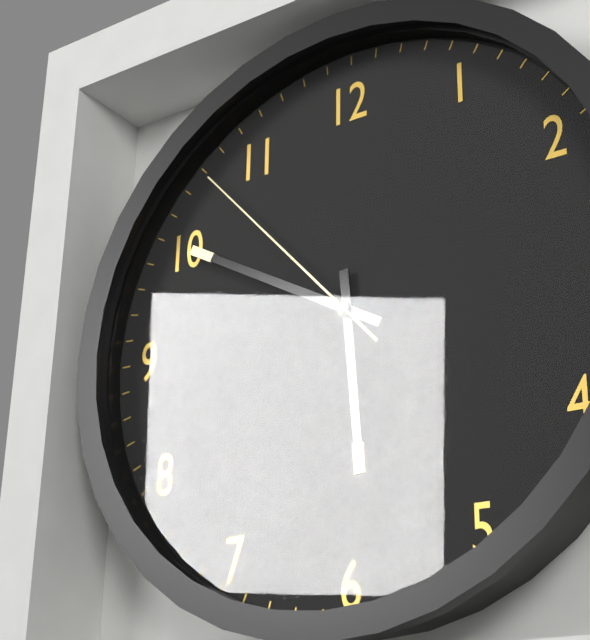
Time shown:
{"hour": 5, "minute": 50, "second": 53}
